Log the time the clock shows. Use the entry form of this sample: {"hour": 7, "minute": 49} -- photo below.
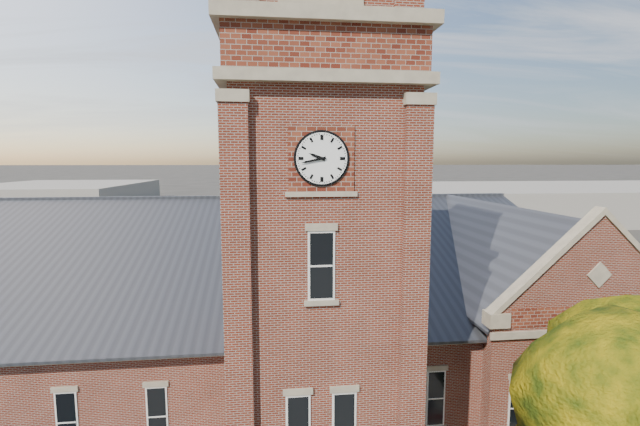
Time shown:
{"hour": 9, "minute": 43}
